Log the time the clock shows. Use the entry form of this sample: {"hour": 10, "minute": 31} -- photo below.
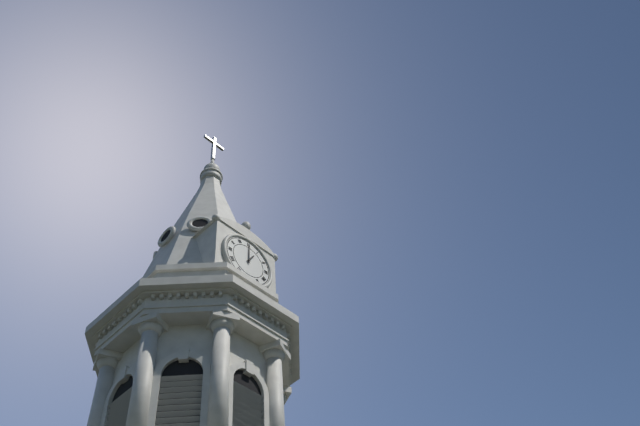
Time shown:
{"hour": 1, "minute": 0}
